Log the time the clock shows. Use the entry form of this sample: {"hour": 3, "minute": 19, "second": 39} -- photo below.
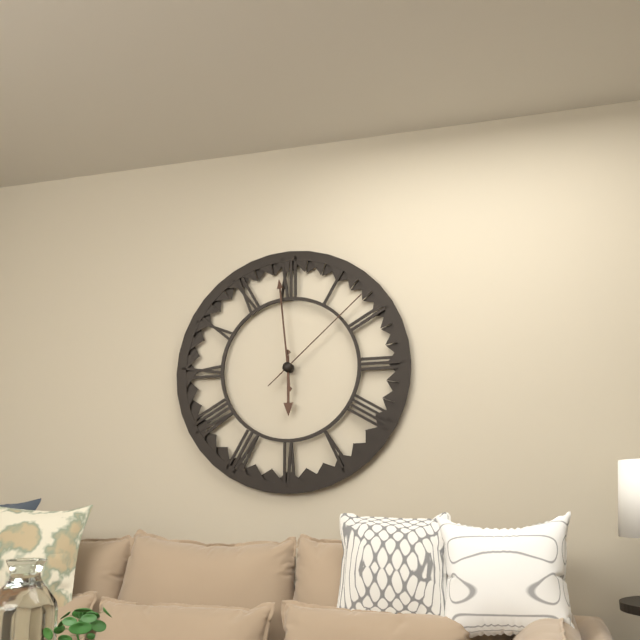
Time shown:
{"hour": 5, "minute": 59, "second": 8}
